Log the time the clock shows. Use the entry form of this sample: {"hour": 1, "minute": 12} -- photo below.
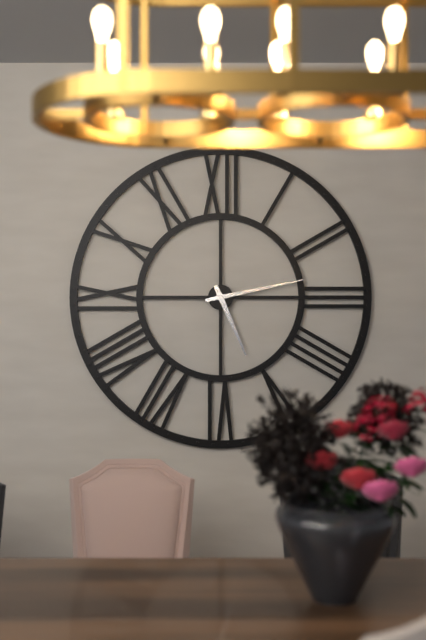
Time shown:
{"hour": 5, "minute": 13}
